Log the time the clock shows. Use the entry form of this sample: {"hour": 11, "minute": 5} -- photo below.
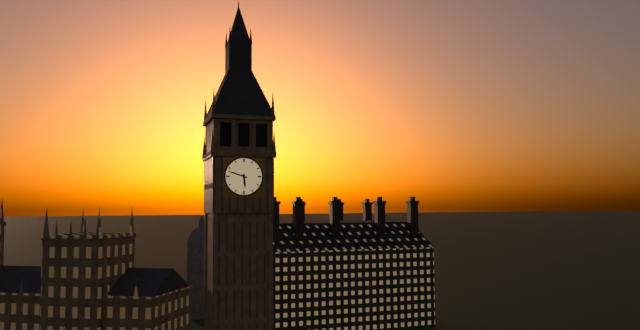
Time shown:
{"hour": 5, "minute": 48}
